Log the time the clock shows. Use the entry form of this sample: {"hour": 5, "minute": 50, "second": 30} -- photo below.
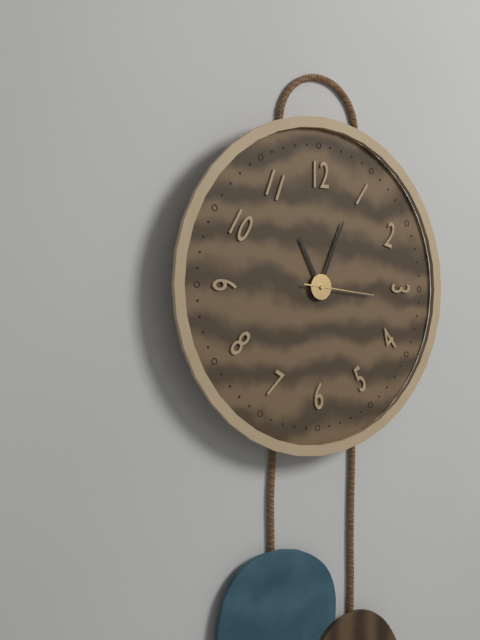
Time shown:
{"hour": 11, "minute": 4, "second": 16}
